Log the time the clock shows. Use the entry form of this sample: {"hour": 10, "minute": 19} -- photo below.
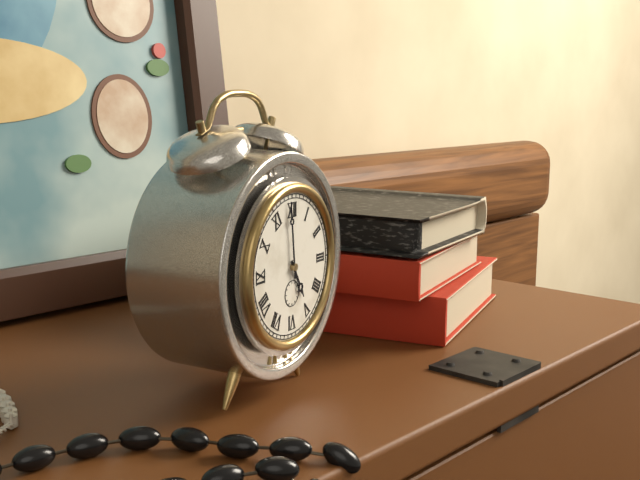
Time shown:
{"hour": 4, "minute": 59}
